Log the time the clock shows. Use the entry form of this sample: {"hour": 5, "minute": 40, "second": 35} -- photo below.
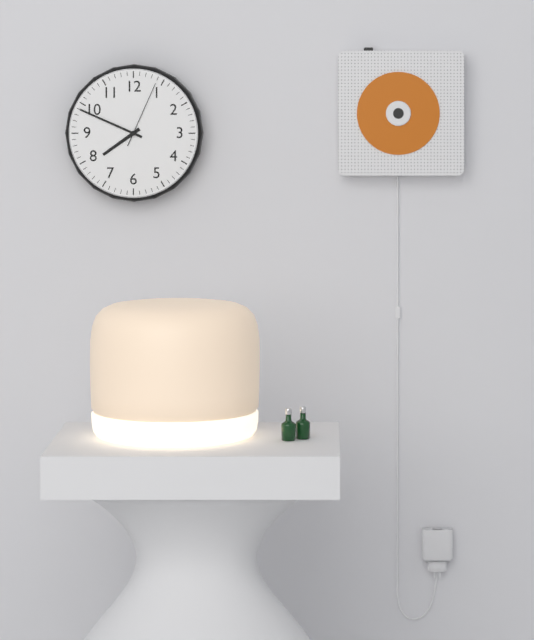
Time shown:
{"hour": 7, "minute": 49, "second": 4}
